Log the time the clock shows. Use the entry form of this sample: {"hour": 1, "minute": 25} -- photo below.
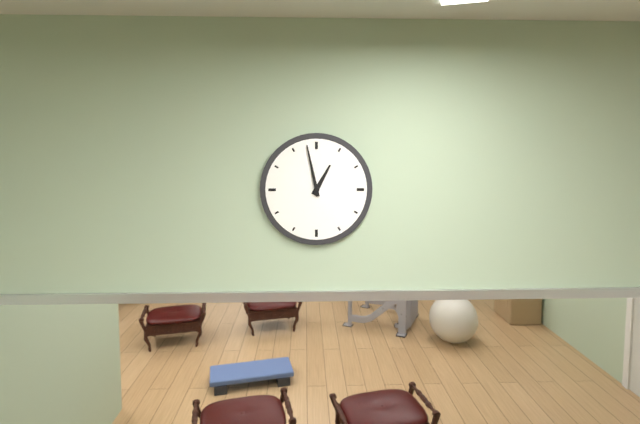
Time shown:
{"hour": 12, "minute": 58}
